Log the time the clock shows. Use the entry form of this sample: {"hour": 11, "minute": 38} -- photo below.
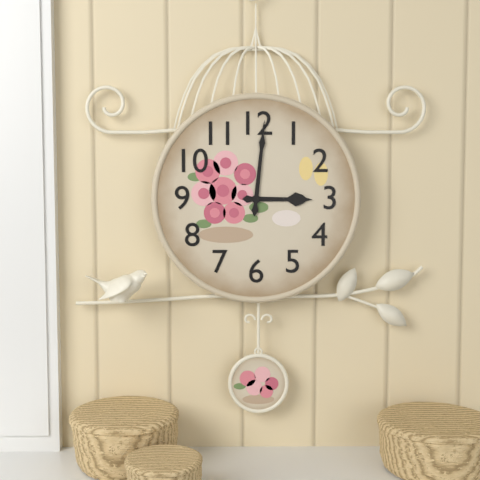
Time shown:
{"hour": 3, "minute": 1}
